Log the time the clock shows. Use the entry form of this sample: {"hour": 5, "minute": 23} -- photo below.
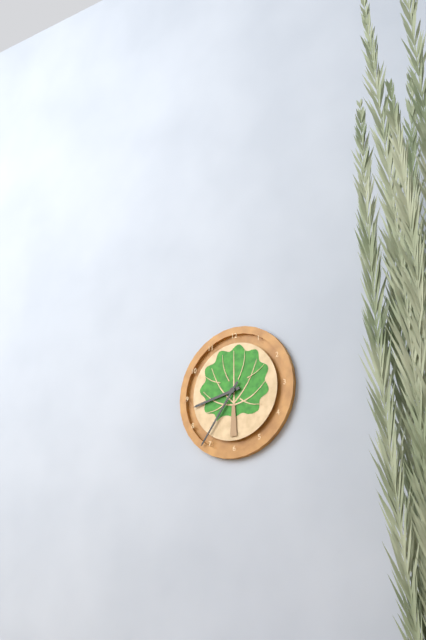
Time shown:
{"hour": 8, "minute": 36}
